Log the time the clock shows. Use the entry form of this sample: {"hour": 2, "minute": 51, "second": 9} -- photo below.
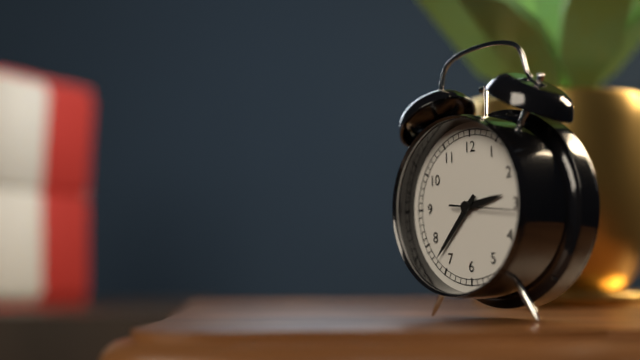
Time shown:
{"hour": 2, "minute": 37, "second": 16}
